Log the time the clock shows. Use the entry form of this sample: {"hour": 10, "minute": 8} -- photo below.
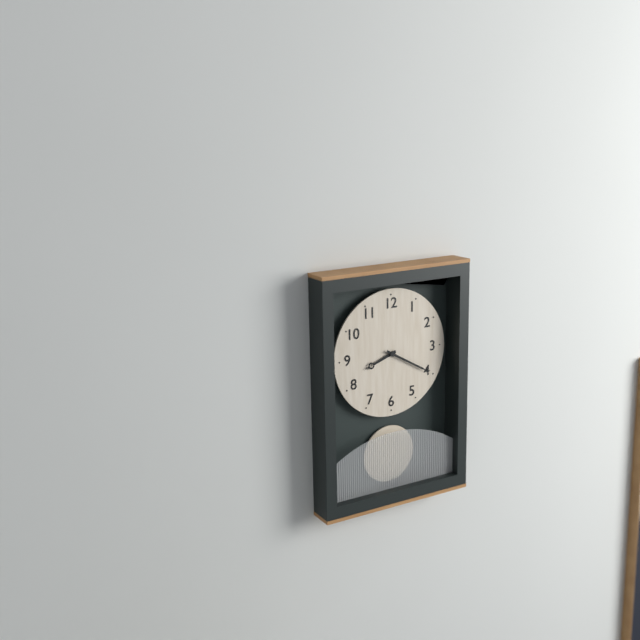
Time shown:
{"hour": 8, "minute": 20}
